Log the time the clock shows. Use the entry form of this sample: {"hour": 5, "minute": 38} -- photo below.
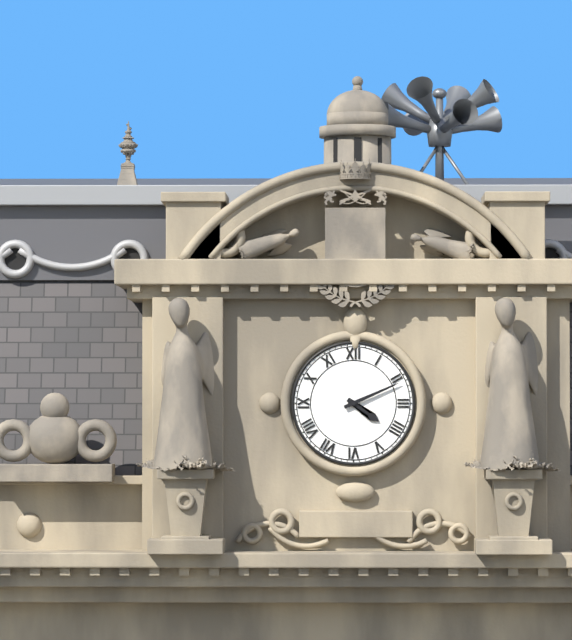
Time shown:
{"hour": 4, "minute": 11}
